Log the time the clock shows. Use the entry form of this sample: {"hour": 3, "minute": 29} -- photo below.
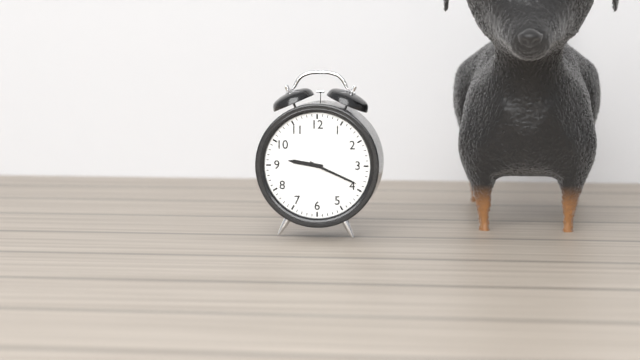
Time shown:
{"hour": 9, "minute": 19}
